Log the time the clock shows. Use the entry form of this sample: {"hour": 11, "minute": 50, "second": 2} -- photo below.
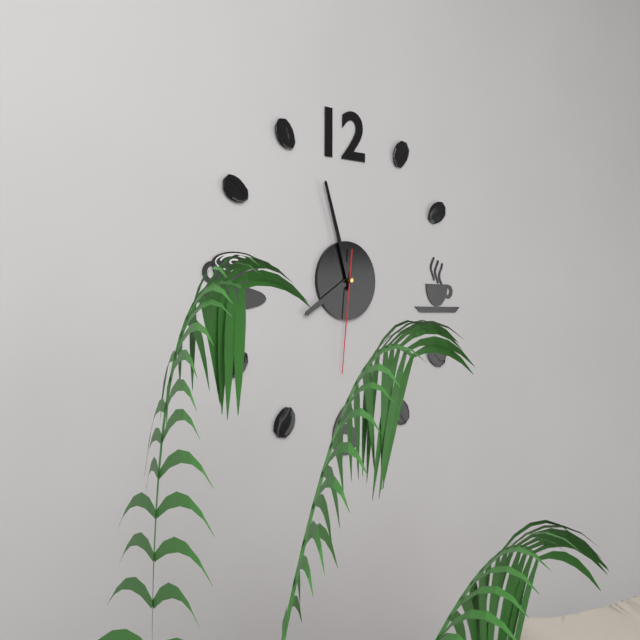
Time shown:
{"hour": 7, "minute": 57, "second": 31}
